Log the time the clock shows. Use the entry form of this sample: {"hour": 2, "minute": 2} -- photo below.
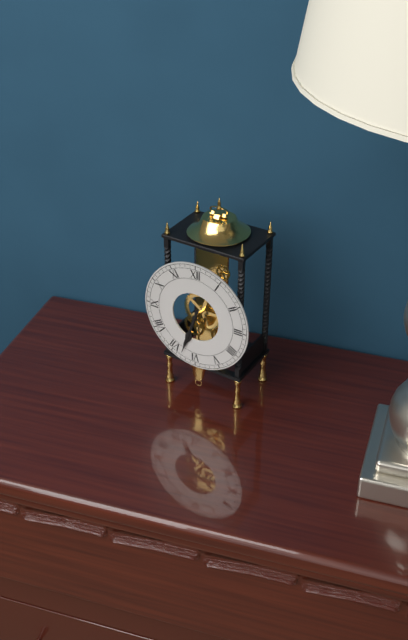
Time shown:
{"hour": 6, "minute": 33}
